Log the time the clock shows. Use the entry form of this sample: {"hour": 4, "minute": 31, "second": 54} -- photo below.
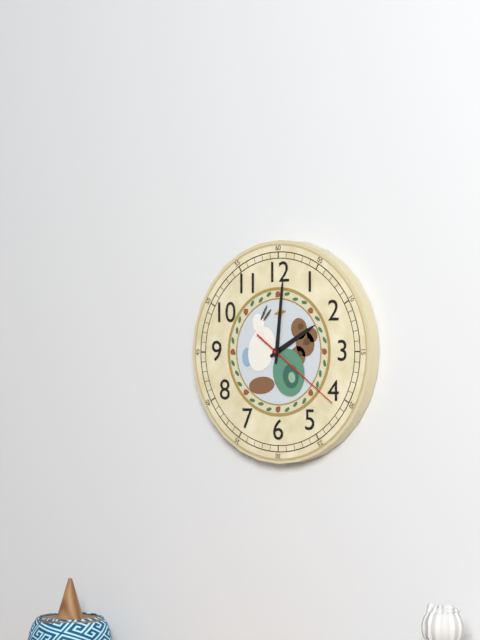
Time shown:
{"hour": 2, "minute": 1, "second": 21}
